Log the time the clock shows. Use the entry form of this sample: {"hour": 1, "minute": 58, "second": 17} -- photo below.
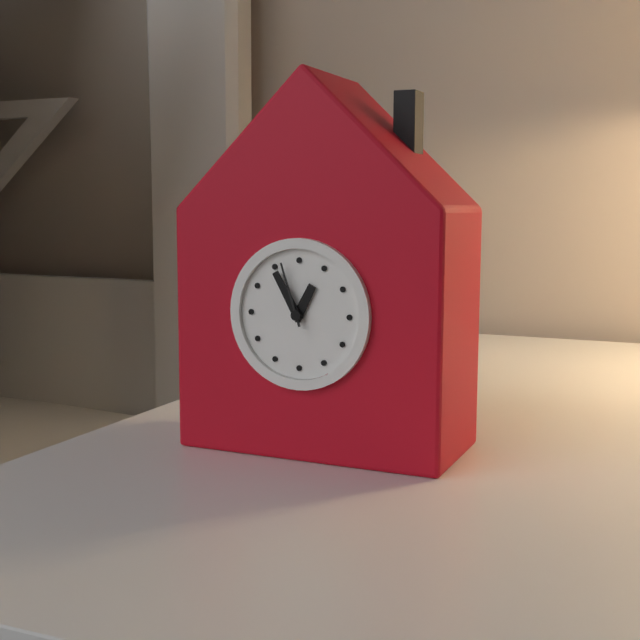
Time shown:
{"hour": 12, "minute": 55, "second": 57}
